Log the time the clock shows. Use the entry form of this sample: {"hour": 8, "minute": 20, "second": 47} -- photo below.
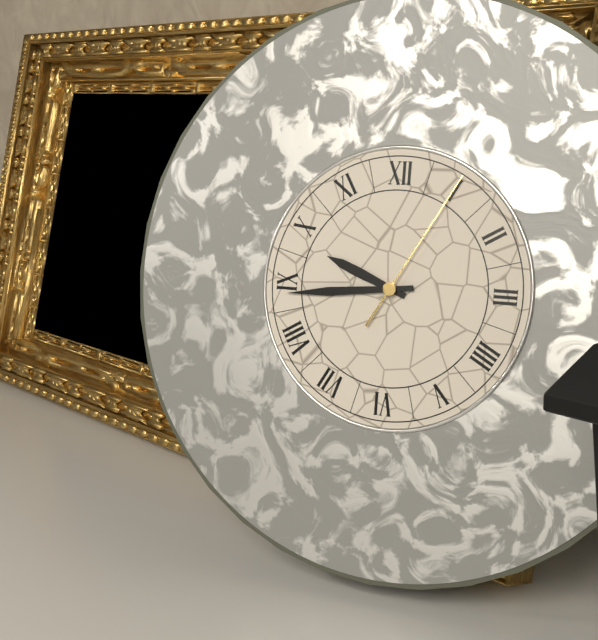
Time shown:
{"hour": 9, "minute": 44, "second": 5}
